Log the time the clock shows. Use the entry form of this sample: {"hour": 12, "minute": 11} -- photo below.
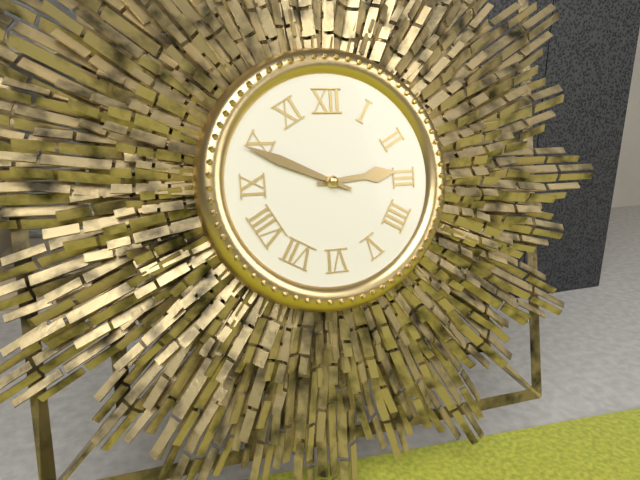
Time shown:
{"hour": 2, "minute": 49}
